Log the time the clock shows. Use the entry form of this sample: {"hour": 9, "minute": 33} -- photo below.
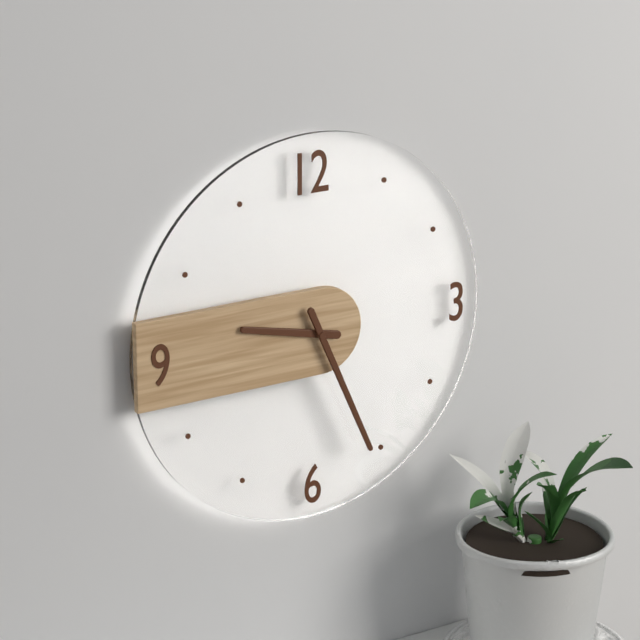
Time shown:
{"hour": 9, "minute": 26}
